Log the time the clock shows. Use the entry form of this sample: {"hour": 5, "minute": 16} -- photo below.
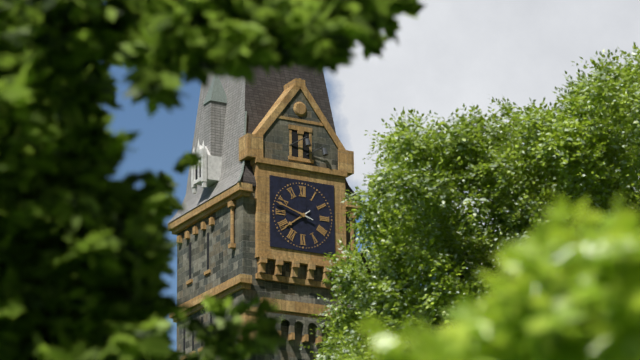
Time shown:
{"hour": 7, "minute": 48}
